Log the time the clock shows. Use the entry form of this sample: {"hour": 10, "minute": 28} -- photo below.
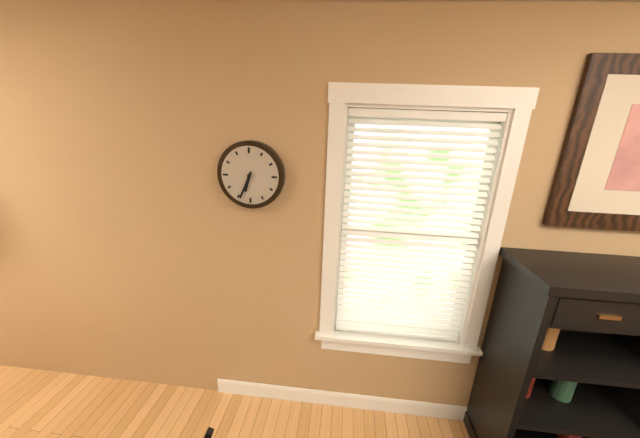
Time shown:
{"hour": 6, "minute": 34}
